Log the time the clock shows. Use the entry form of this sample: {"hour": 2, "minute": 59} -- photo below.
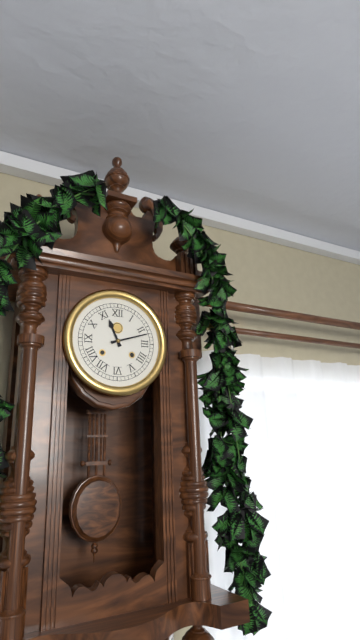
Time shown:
{"hour": 11, "minute": 12}
